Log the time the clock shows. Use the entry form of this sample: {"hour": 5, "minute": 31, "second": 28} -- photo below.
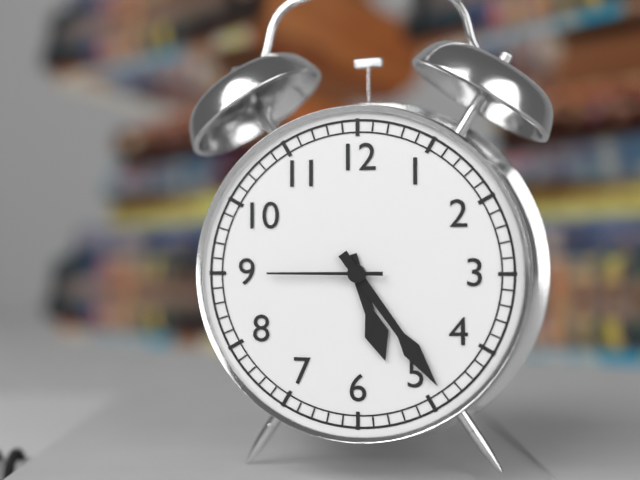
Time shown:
{"hour": 5, "minute": 24, "second": 45}
